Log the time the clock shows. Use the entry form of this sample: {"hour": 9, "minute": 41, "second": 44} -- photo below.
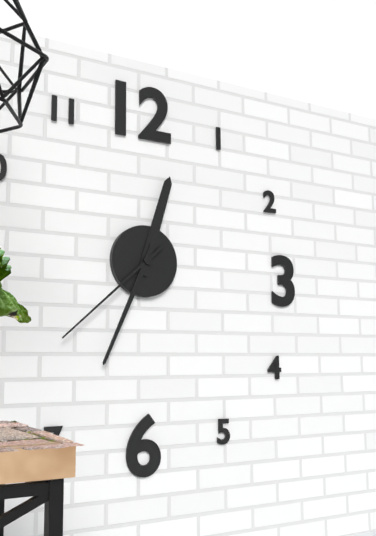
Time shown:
{"hour": 12, "minute": 34, "second": 38}
